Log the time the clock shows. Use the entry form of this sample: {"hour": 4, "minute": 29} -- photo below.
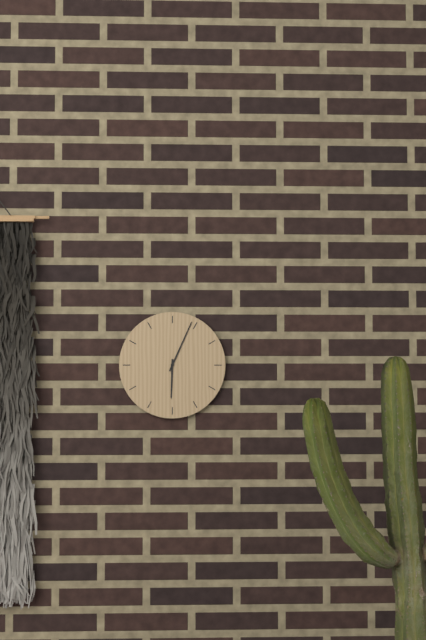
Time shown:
{"hour": 6, "minute": 4}
